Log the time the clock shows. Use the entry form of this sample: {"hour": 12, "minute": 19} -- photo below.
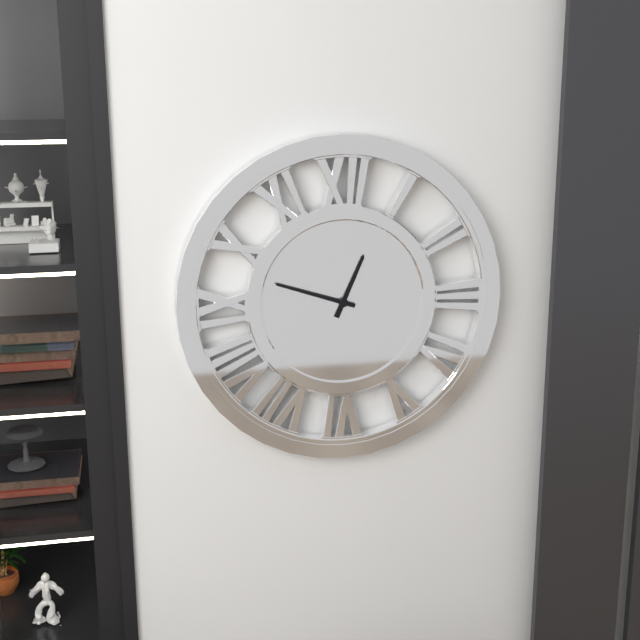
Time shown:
{"hour": 12, "minute": 48}
